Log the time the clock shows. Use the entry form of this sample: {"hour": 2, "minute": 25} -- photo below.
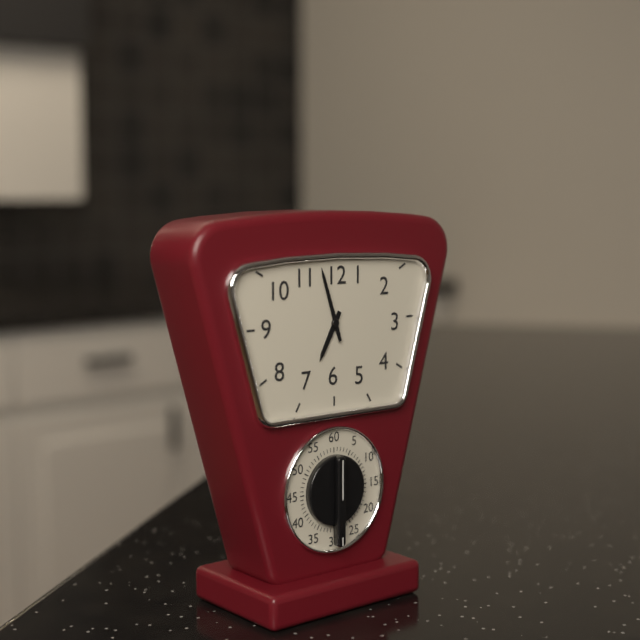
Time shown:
{"hour": 6, "minute": 57}
